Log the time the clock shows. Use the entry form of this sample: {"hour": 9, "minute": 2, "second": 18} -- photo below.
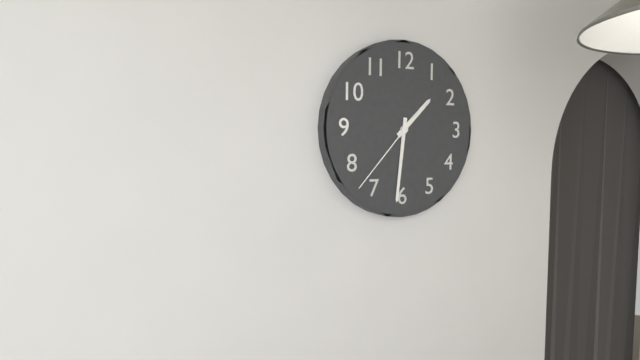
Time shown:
{"hour": 1, "minute": 31, "second": 37}
